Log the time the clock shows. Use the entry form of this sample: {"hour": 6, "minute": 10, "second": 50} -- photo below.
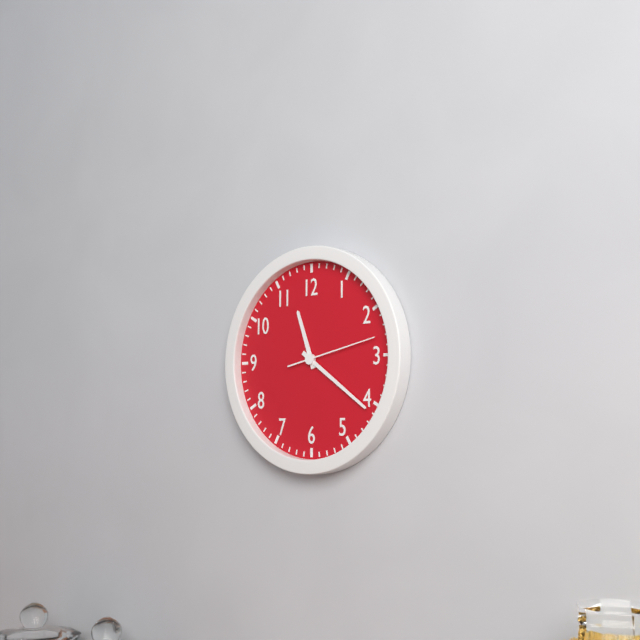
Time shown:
{"hour": 11, "minute": 21, "second": 13}
